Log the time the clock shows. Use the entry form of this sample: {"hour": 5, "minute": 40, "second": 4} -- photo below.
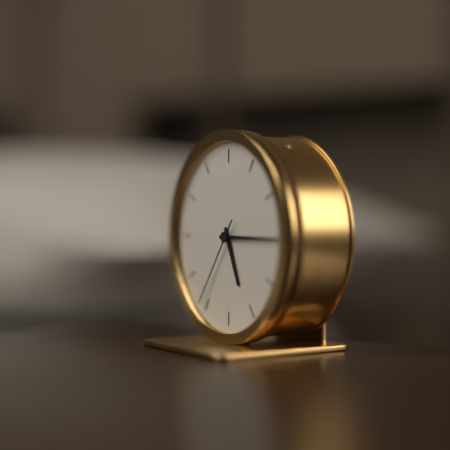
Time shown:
{"hour": 5, "minute": 15, "second": 36}
